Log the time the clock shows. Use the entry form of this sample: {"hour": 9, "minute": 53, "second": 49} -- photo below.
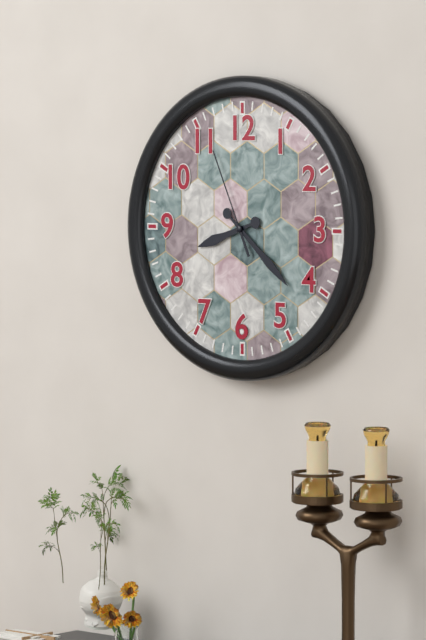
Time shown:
{"hour": 8, "minute": 22, "second": 56}
